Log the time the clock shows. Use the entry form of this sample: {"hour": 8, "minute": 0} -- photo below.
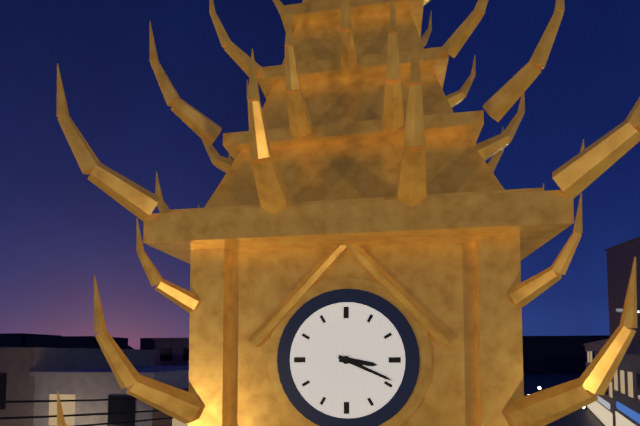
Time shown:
{"hour": 3, "minute": 19}
